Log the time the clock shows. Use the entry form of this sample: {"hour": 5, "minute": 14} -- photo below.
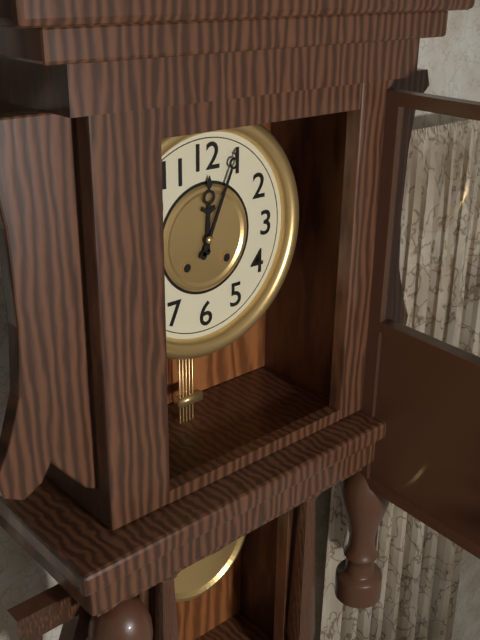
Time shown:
{"hour": 12, "minute": 4}
